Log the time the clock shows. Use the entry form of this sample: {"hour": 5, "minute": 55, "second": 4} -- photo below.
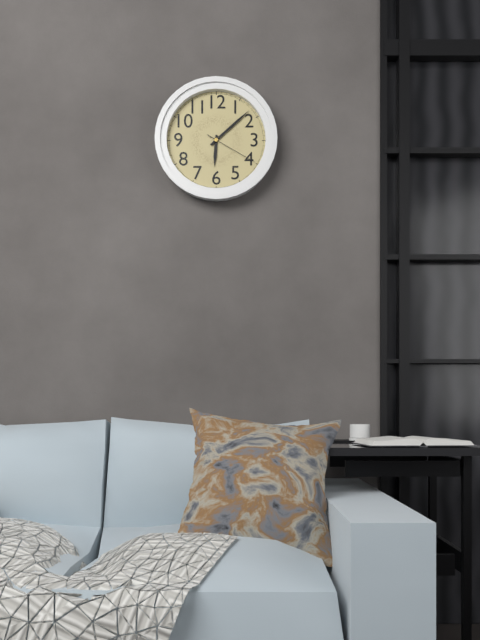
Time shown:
{"hour": 6, "minute": 8, "second": 20}
